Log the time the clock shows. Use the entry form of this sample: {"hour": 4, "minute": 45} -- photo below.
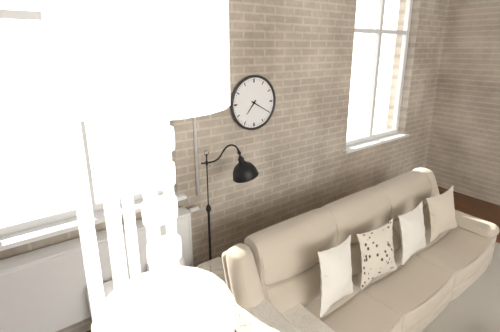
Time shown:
{"hour": 7, "minute": 20}
